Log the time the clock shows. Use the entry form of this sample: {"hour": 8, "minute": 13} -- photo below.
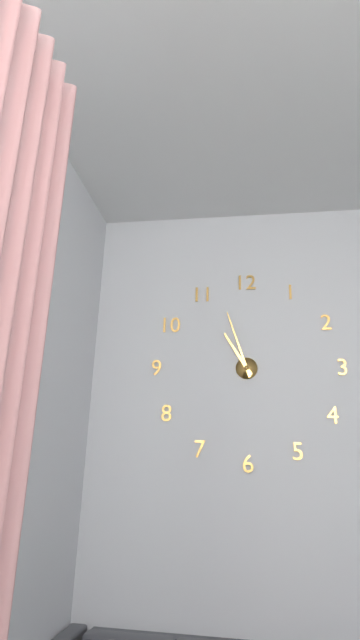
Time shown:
{"hour": 10, "minute": 57}
